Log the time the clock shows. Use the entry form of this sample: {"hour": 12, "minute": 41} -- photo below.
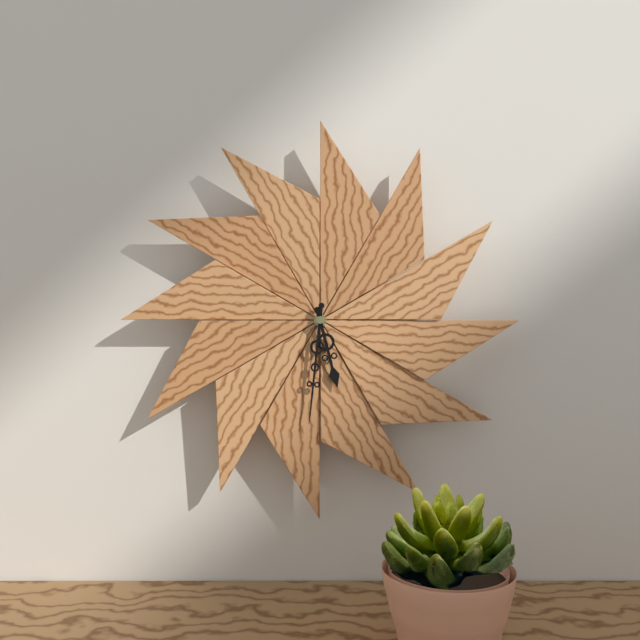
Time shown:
{"hour": 5, "minute": 31}
